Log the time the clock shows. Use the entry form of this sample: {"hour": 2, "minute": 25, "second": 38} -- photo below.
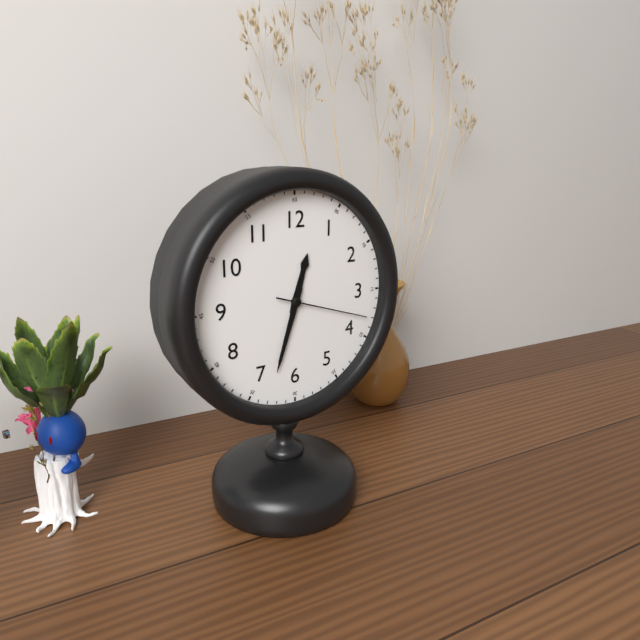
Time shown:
{"hour": 12, "minute": 33, "second": 18}
